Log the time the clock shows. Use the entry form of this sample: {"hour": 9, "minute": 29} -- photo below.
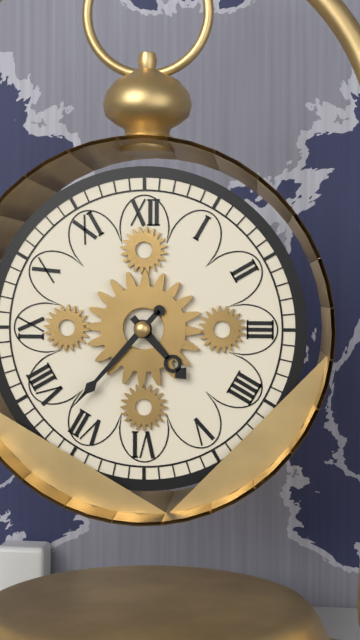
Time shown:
{"hour": 4, "minute": 37}
